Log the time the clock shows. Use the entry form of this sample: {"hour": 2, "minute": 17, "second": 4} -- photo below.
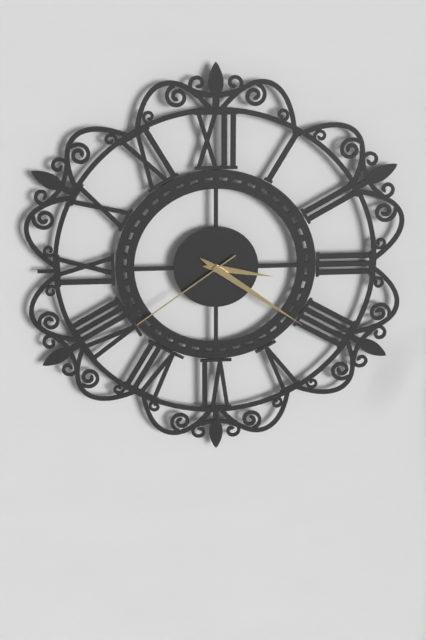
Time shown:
{"hour": 3, "minute": 21, "second": 39}
